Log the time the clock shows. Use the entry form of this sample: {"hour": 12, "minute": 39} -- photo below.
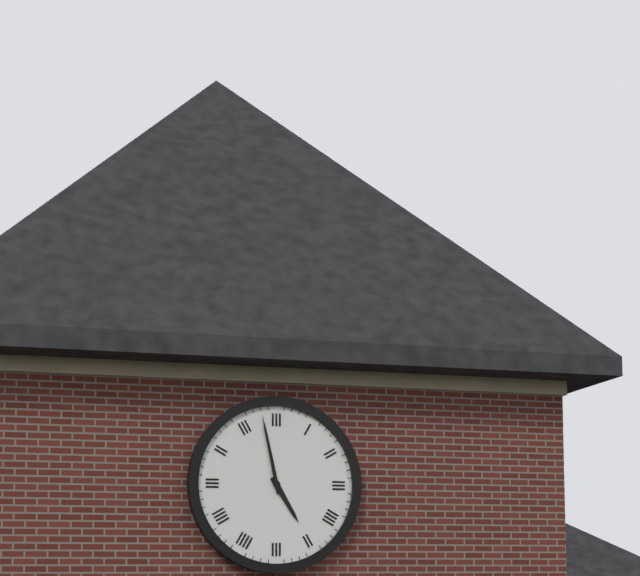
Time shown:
{"hour": 4, "minute": 58}
